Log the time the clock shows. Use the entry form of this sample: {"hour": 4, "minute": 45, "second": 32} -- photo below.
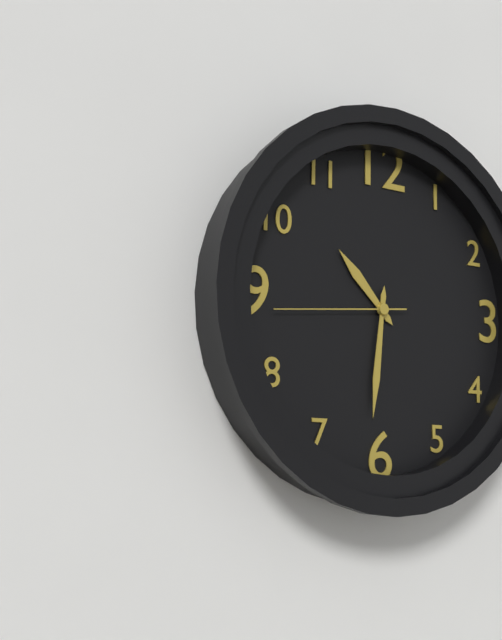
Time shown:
{"hour": 10, "minute": 31, "second": 44}
